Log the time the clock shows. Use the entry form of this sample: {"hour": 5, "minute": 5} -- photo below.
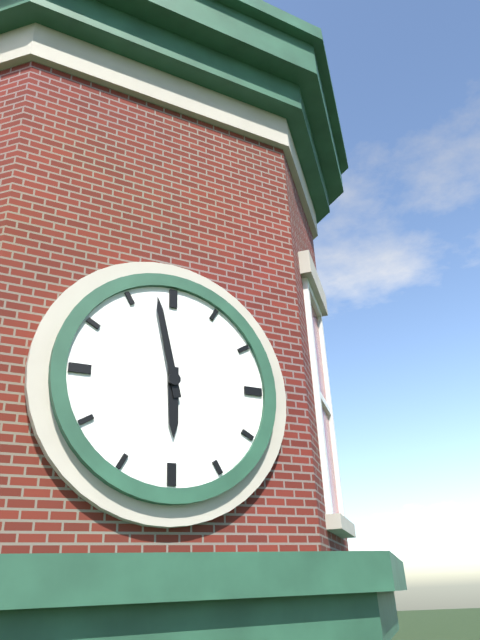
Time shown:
{"hour": 5, "minute": 58}
